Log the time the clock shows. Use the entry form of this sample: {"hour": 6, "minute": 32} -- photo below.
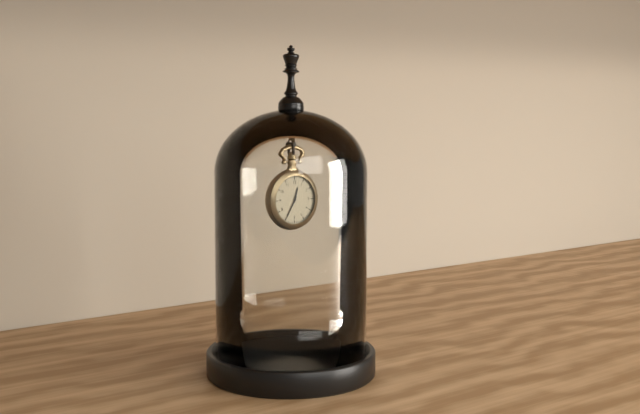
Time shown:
{"hour": 12, "minute": 35}
